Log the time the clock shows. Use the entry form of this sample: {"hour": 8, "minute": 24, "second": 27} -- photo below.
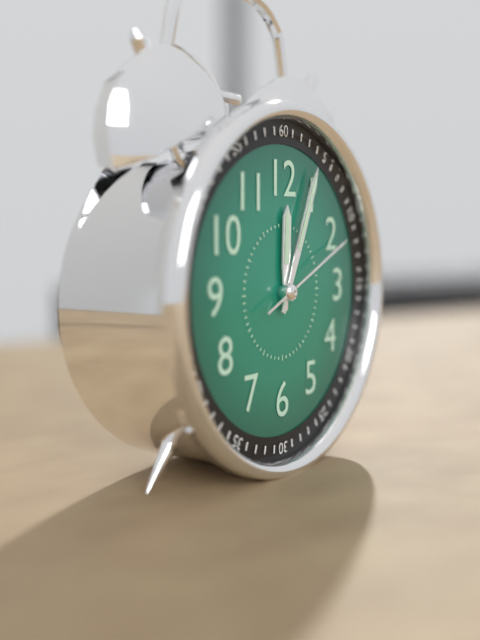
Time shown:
{"hour": 12, "minute": 4, "second": 11}
